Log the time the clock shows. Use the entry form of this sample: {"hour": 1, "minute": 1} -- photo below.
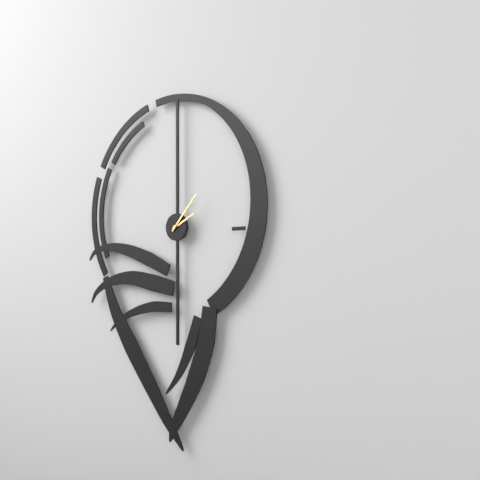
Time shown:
{"hour": 2, "minute": 7}
